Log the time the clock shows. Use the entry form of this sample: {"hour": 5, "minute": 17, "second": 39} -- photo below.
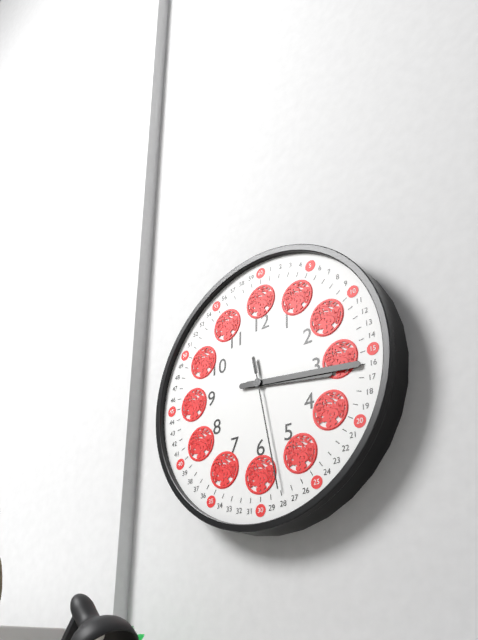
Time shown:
{"hour": 3, "minute": 16, "second": 28}
